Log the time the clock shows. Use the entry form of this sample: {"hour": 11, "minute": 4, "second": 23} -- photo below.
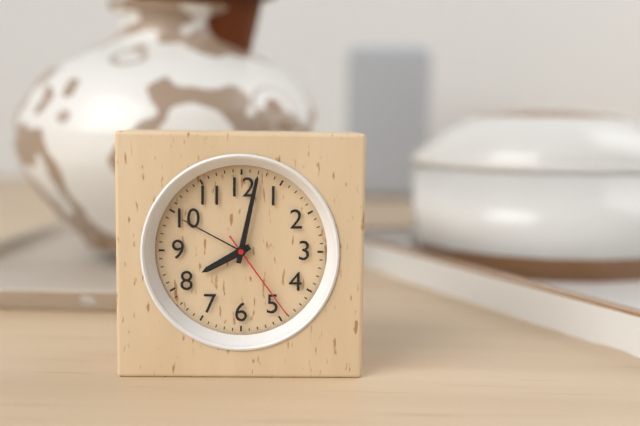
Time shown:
{"hour": 8, "minute": 2, "second": 24}
